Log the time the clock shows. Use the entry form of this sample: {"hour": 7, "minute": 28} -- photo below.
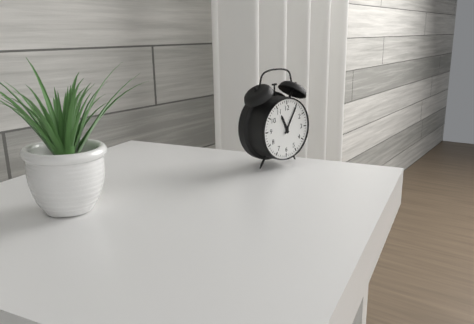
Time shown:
{"hour": 11, "minute": 5}
